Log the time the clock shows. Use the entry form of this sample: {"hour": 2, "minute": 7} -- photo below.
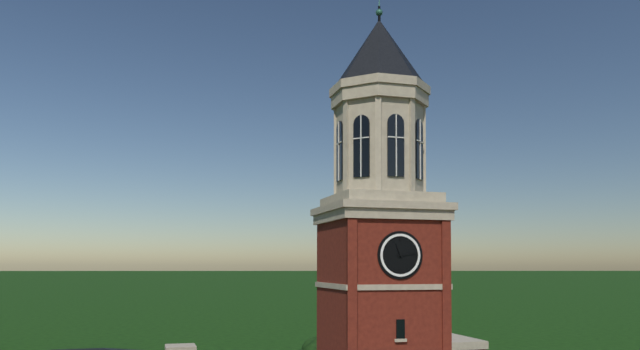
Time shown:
{"hour": 11, "minute": 13}
